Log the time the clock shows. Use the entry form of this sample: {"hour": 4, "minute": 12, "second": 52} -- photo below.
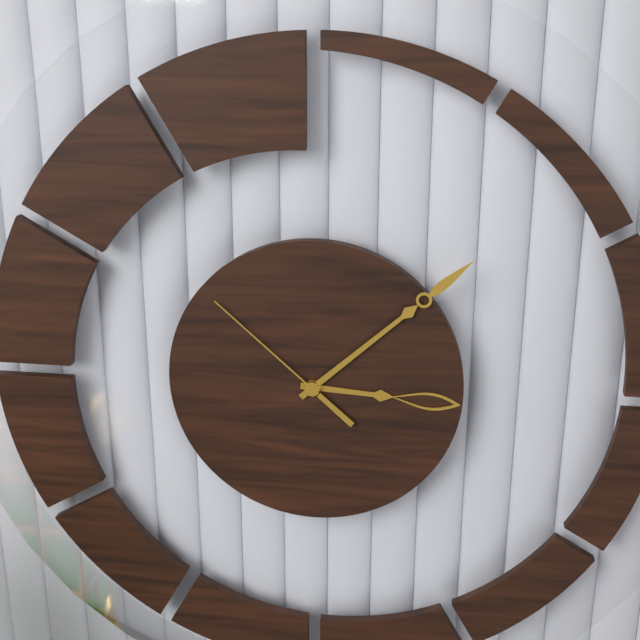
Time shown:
{"hour": 3, "minute": 8, "second": 52}
